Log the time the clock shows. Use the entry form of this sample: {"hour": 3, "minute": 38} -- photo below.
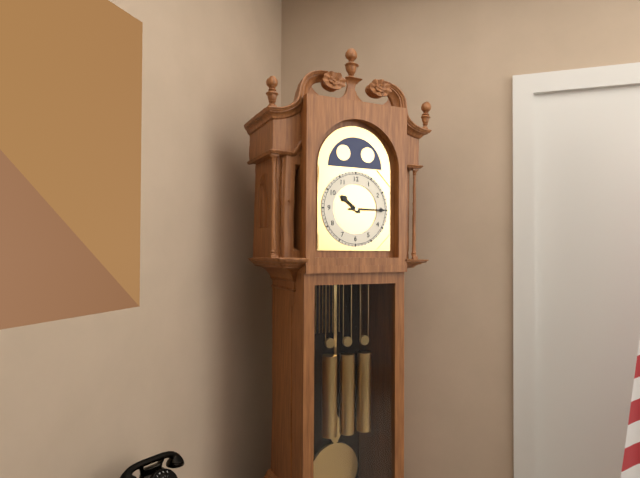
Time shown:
{"hour": 10, "minute": 15}
